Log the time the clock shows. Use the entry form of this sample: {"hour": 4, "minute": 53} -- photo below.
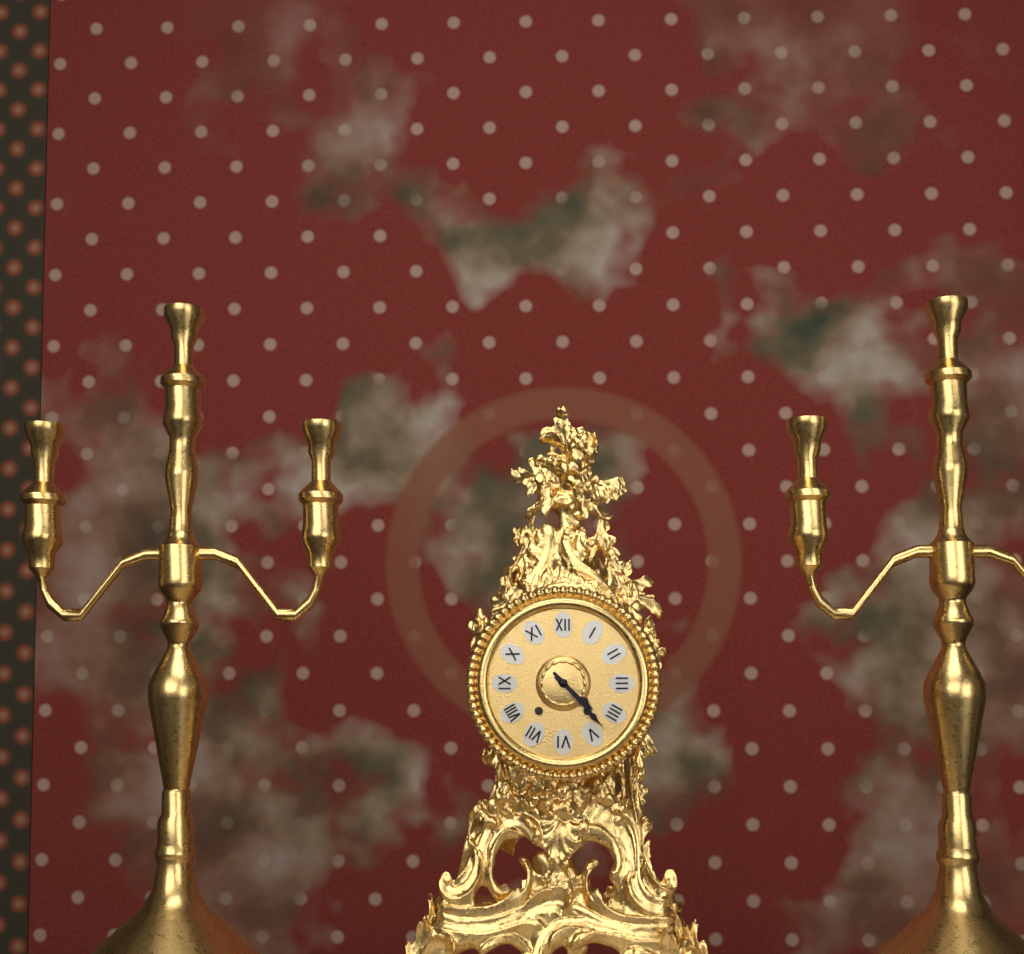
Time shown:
{"hour": 4, "minute": 23}
